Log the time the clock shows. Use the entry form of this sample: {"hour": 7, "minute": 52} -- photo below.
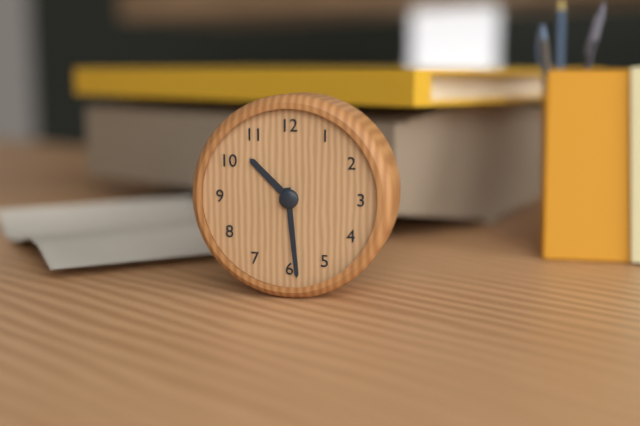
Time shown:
{"hour": 10, "minute": 29}
